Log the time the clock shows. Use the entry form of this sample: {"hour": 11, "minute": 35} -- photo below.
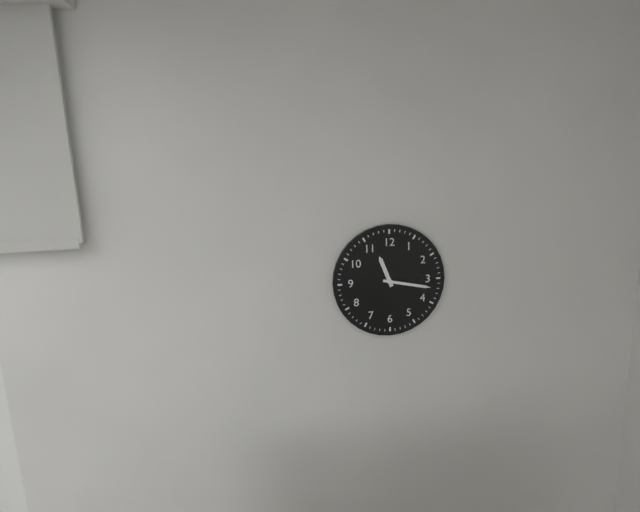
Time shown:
{"hour": 11, "minute": 17}
